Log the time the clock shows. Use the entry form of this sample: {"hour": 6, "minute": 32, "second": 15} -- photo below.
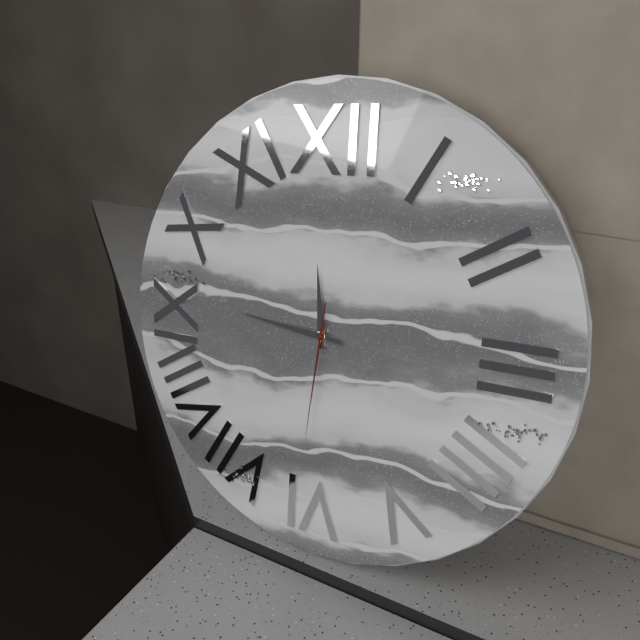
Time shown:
{"hour": 11, "minute": 46, "second": 31}
